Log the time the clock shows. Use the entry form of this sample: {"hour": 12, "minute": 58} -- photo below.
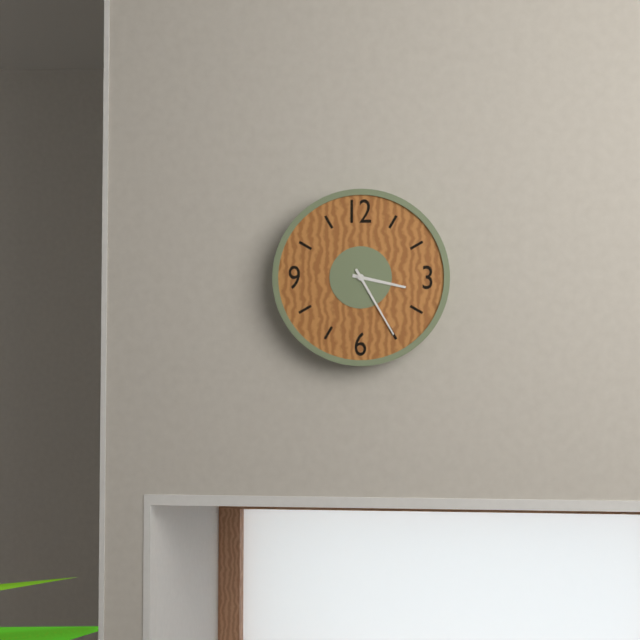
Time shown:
{"hour": 3, "minute": 25}
